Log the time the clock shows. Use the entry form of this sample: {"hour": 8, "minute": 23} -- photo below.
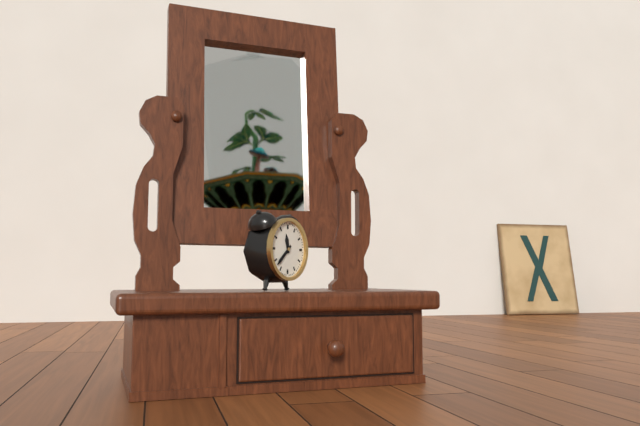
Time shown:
{"hour": 11, "minute": 38}
